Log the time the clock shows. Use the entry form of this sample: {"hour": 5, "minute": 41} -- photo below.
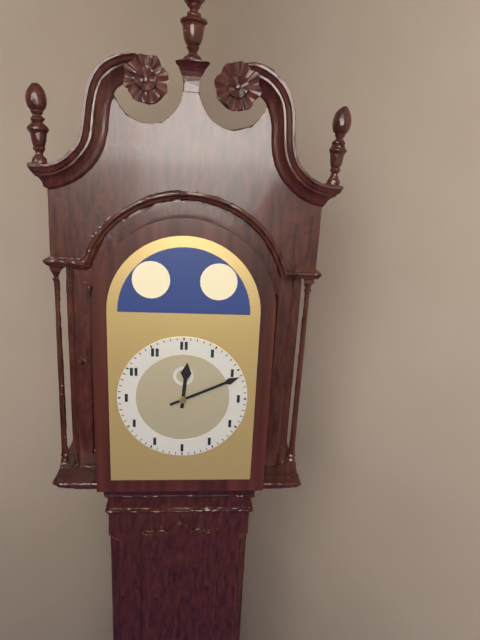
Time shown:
{"hour": 12, "minute": 11}
